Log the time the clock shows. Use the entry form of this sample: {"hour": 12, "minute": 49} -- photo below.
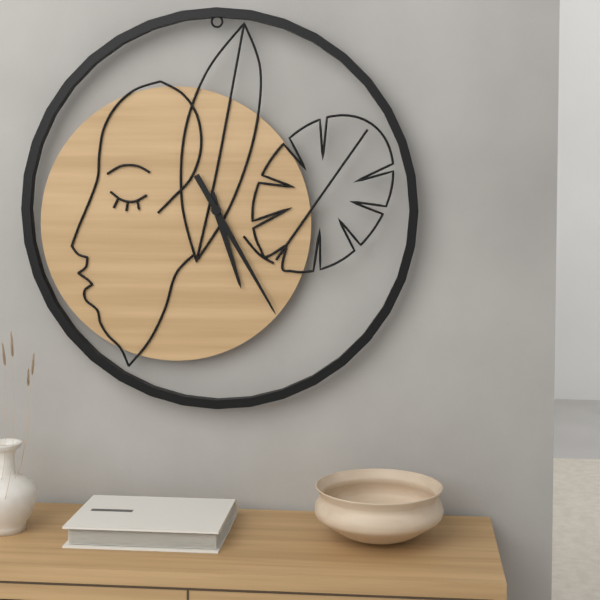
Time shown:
{"hour": 5, "minute": 25}
